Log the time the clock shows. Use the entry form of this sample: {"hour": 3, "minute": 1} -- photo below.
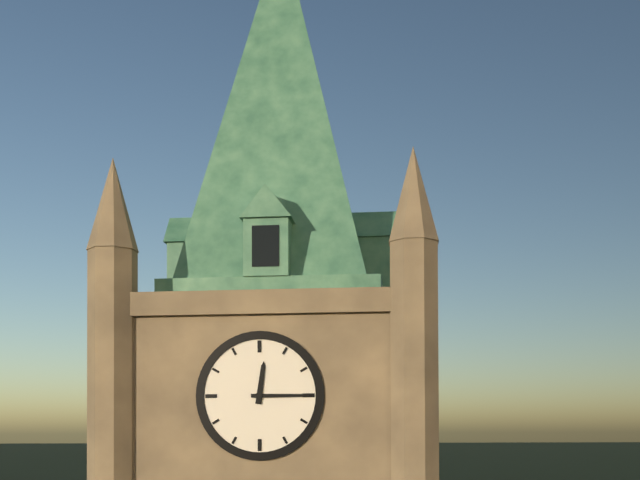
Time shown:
{"hour": 12, "minute": 15}
